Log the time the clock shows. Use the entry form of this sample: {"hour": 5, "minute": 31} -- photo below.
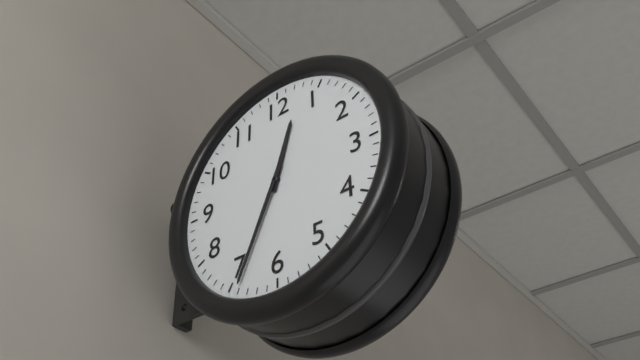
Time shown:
{"hour": 12, "minute": 34}
